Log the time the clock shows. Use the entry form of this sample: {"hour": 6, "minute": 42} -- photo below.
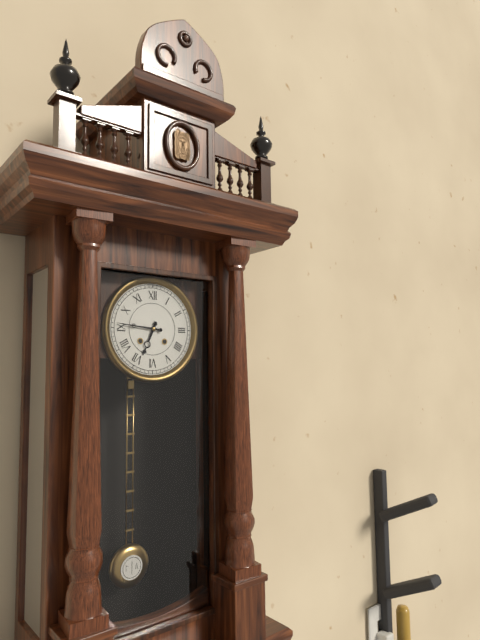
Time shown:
{"hour": 6, "minute": 46}
